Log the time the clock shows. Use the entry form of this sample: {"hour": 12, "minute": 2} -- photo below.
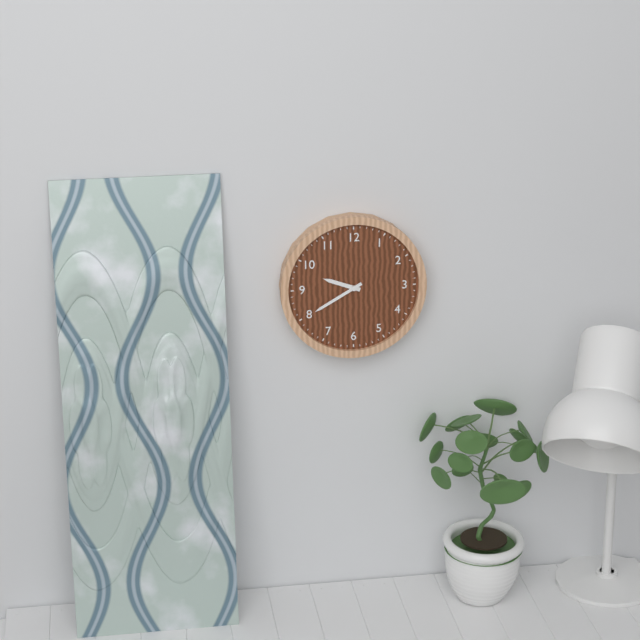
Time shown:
{"hour": 9, "minute": 40}
